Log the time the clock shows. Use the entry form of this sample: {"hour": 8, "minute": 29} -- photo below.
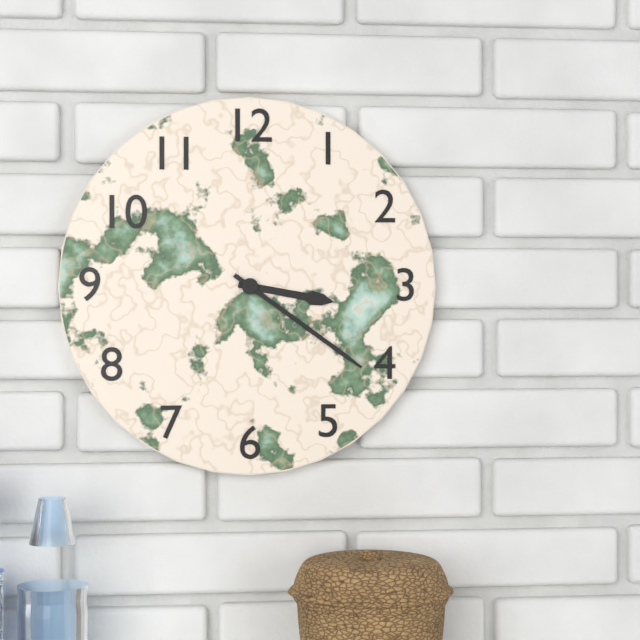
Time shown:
{"hour": 3, "minute": 21}
